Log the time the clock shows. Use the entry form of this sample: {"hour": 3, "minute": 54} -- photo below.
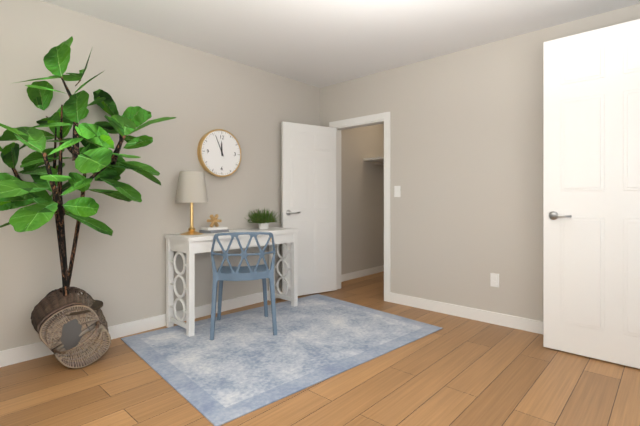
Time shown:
{"hour": 11, "minute": 56}
